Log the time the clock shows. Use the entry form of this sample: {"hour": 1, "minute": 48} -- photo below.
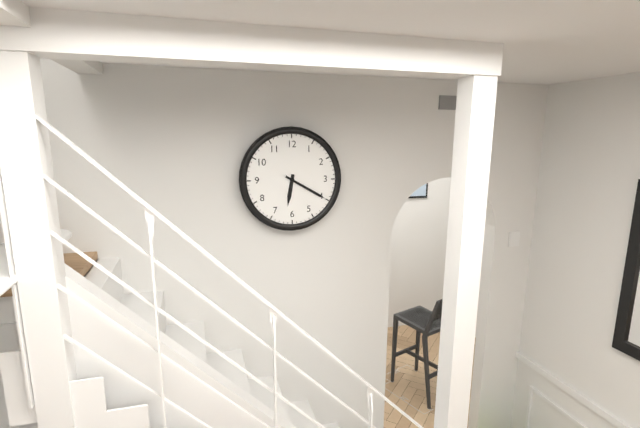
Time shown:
{"hour": 6, "minute": 20}
